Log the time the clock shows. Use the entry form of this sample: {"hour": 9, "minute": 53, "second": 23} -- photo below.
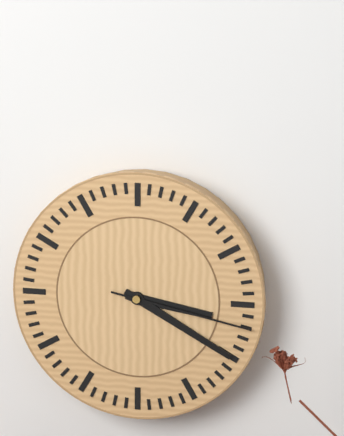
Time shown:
{"hour": 3, "minute": 20, "second": 17}
